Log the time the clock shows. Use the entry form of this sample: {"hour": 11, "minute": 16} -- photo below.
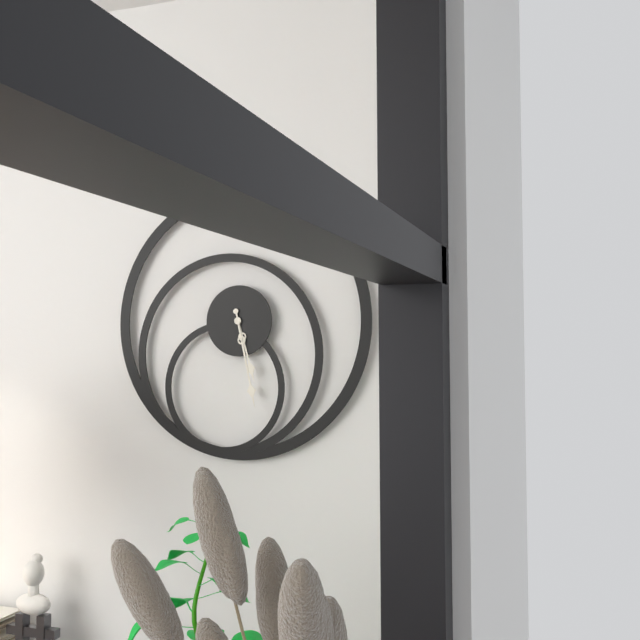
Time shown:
{"hour": 5, "minute": 28}
